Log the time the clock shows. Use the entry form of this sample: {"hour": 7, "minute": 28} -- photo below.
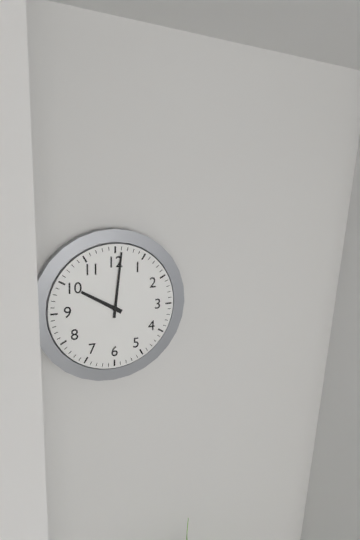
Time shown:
{"hour": 10, "minute": 1}
